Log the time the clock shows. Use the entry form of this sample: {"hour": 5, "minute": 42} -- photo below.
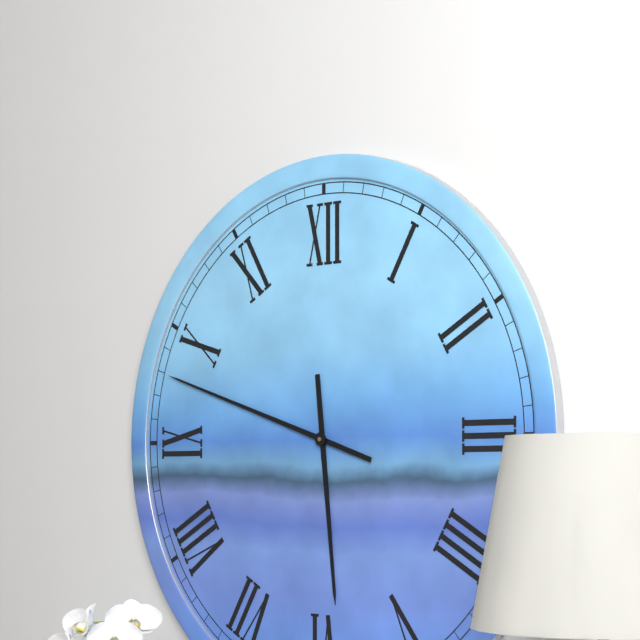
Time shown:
{"hour": 5, "minute": 48}
